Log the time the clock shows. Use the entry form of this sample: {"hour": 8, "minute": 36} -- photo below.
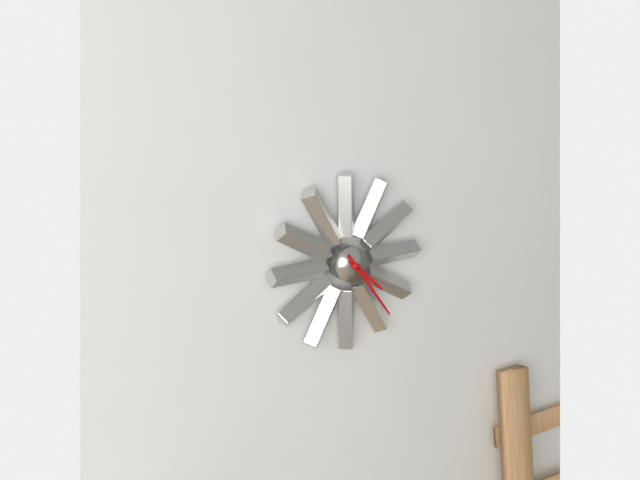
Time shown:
{"hour": 4, "minute": 24}
